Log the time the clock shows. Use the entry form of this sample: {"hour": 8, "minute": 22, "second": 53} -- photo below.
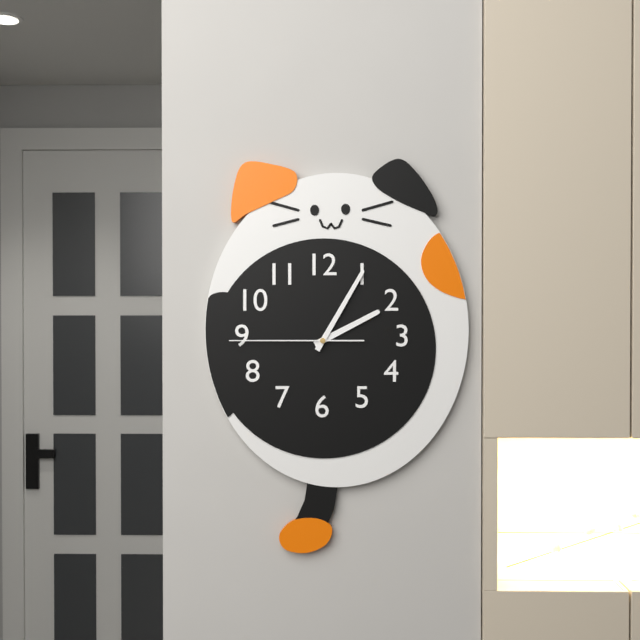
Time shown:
{"hour": 2, "minute": 5, "second": 45}
